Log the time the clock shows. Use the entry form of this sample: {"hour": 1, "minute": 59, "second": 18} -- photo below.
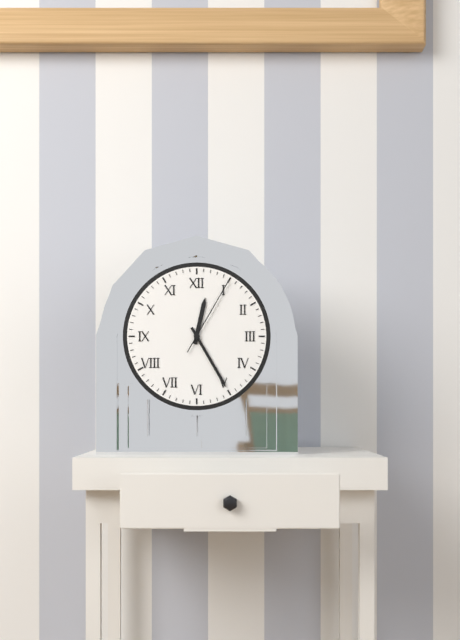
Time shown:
{"hour": 12, "minute": 25, "second": 5}
